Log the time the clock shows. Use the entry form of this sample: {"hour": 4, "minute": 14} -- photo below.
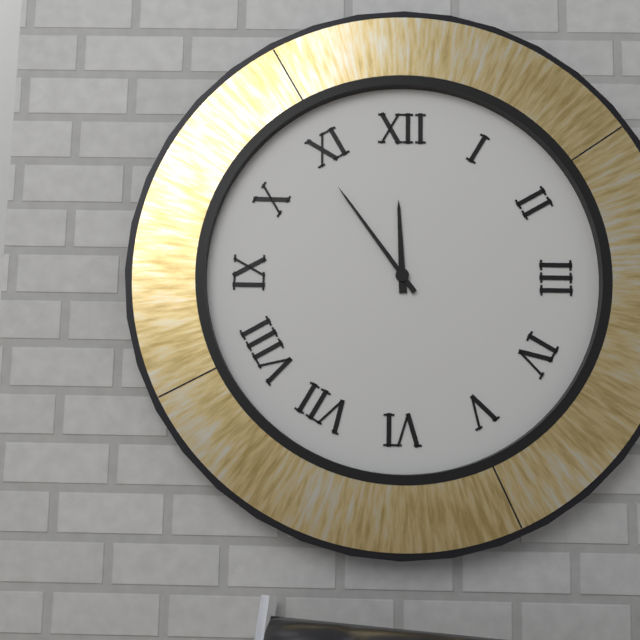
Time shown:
{"hour": 11, "minute": 54}
